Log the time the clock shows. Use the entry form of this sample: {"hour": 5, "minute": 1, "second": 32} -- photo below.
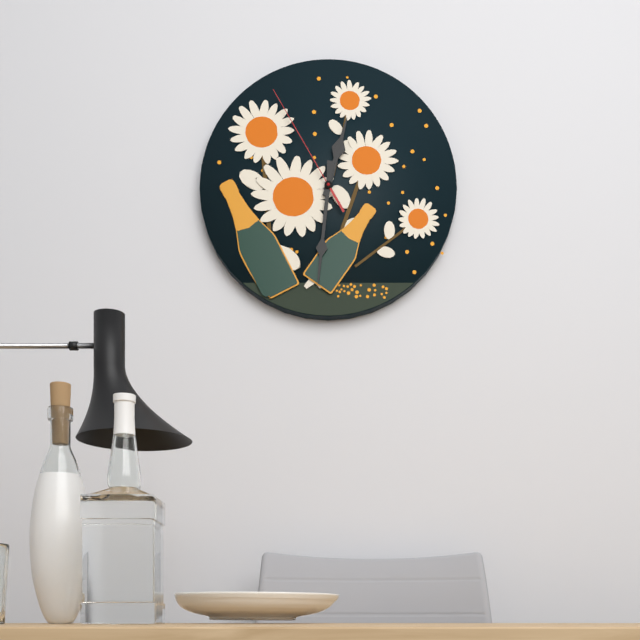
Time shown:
{"hour": 12, "minute": 31, "second": 55}
